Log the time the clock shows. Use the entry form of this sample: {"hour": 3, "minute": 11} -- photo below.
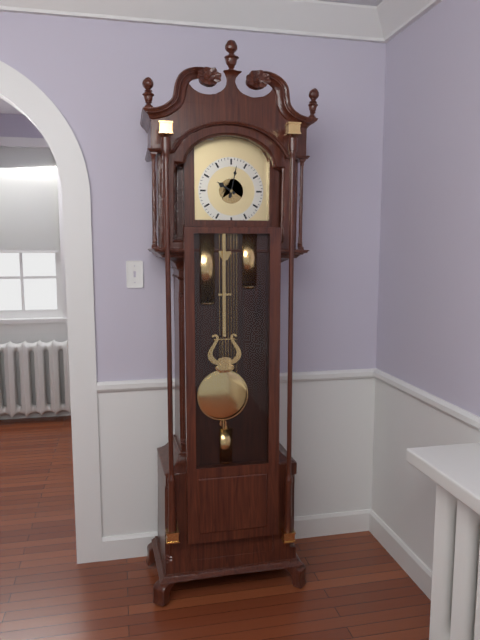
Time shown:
{"hour": 10, "minute": 2}
